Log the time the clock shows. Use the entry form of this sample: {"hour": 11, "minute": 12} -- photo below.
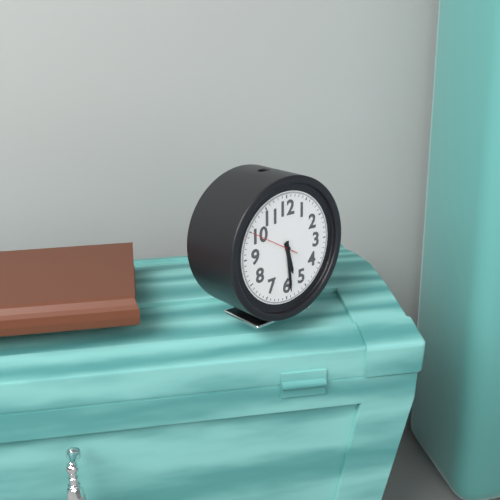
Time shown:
{"hour": 5, "minute": 29}
